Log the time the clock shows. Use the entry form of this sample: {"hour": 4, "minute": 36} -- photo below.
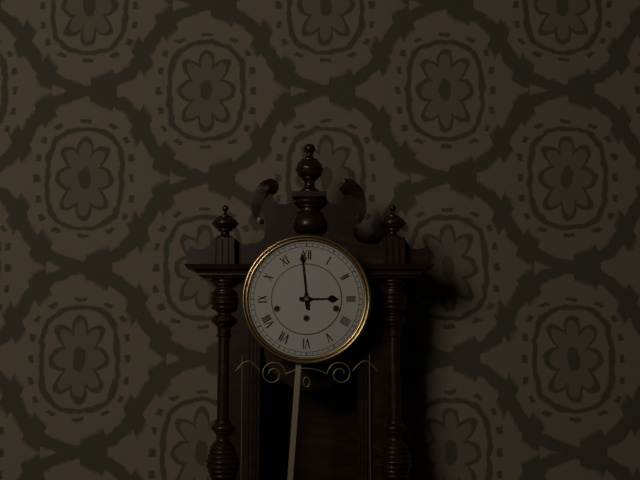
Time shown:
{"hour": 2, "minute": 59}
